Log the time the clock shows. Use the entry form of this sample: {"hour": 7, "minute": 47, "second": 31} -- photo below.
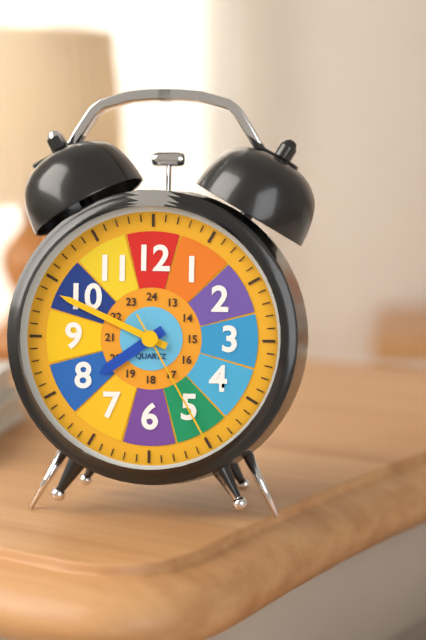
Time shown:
{"hour": 7, "minute": 49, "second": 25}
